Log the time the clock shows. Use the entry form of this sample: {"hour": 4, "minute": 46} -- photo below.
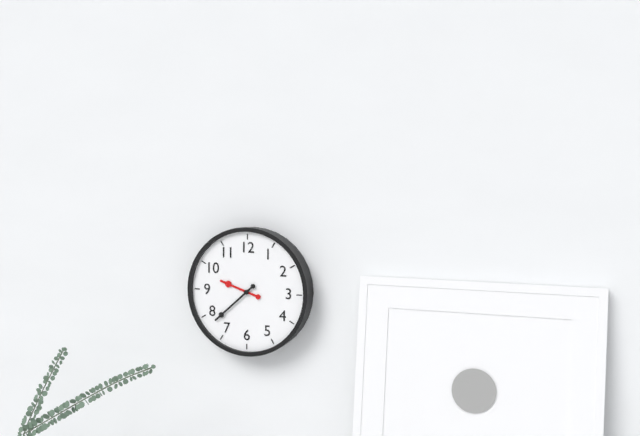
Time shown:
{"hour": 9, "minute": 38}
